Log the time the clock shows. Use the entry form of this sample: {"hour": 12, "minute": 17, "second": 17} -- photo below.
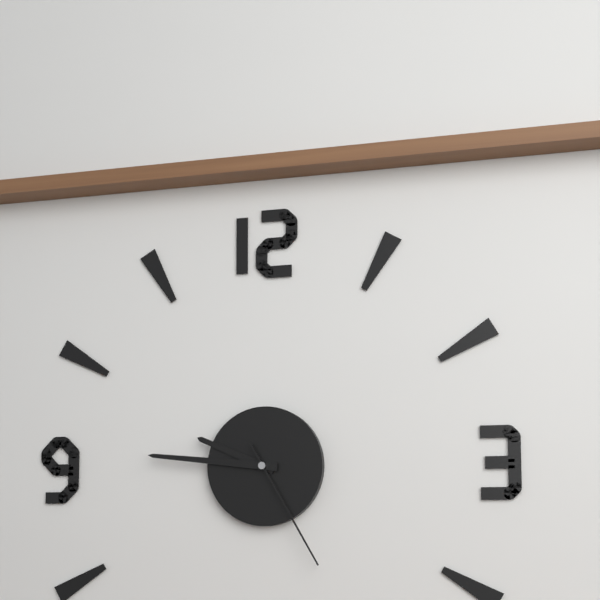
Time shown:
{"hour": 9, "minute": 46, "second": 25}
